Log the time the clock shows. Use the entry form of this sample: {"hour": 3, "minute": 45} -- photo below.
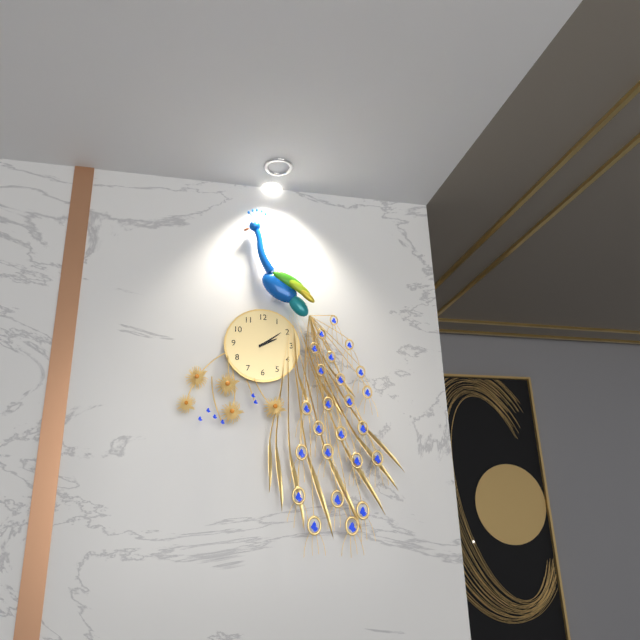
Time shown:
{"hour": 2, "minute": 9}
